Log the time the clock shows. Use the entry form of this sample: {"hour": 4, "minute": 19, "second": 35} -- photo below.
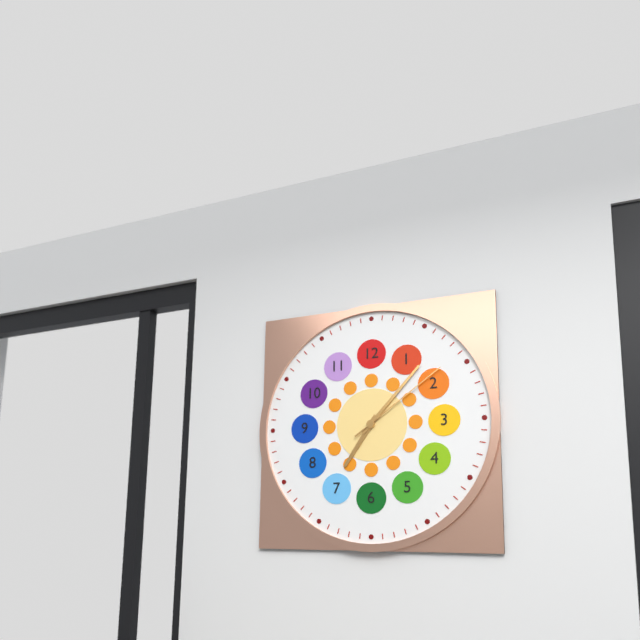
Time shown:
{"hour": 7, "minute": 7, "second": 9}
